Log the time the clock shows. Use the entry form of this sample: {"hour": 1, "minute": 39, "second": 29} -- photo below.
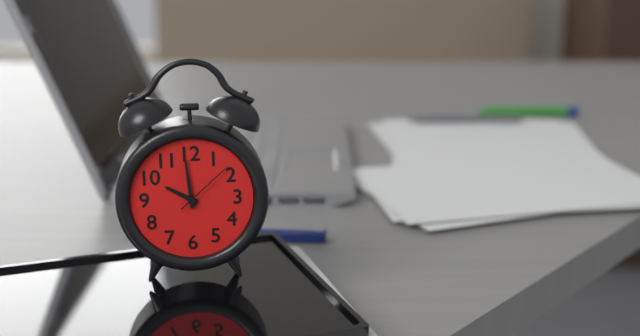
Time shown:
{"hour": 9, "minute": 59, "second": 8}
